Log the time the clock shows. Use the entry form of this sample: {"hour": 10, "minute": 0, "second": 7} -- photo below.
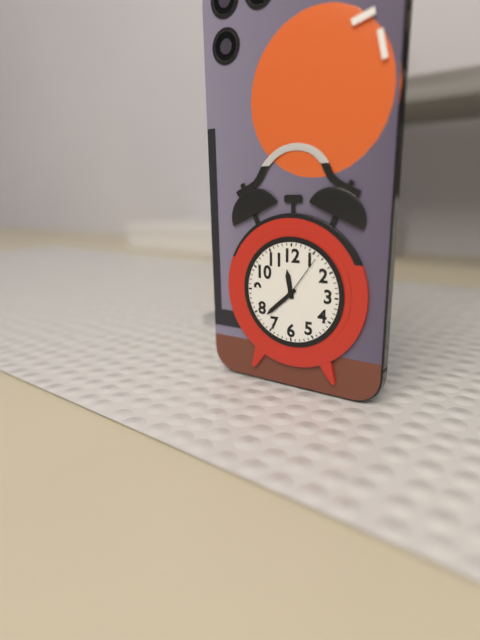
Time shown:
{"hour": 11, "minute": 38, "second": 6}
